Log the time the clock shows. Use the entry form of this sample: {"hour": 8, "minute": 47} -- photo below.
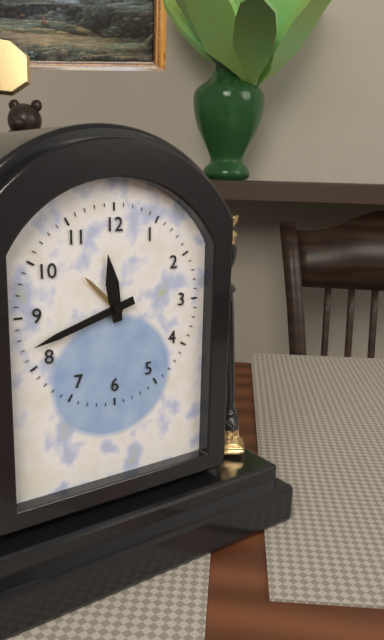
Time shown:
{"hour": 11, "minute": 42}
